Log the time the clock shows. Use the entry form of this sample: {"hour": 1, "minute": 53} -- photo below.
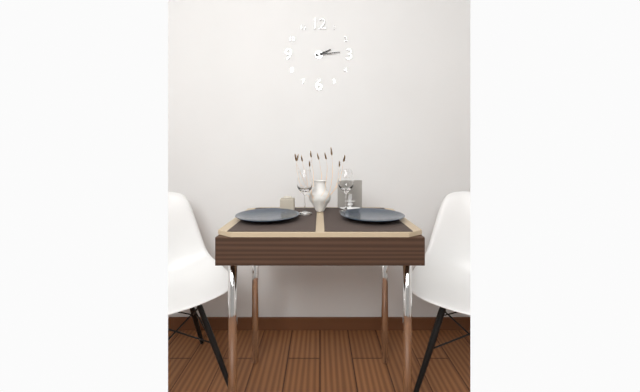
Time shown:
{"hour": 2, "minute": 14}
